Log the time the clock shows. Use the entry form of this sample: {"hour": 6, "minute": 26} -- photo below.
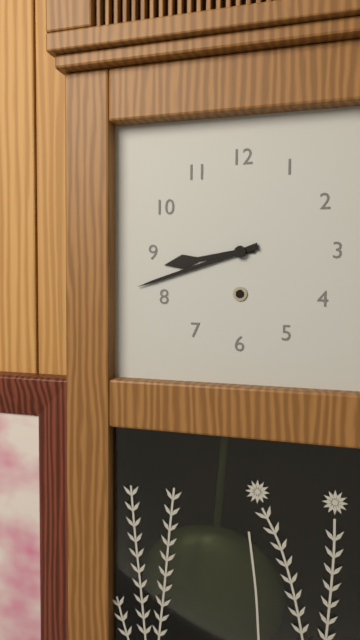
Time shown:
{"hour": 8, "minute": 42}
